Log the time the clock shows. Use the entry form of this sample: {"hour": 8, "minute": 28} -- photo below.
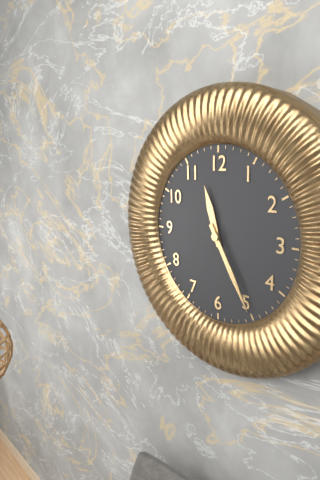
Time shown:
{"hour": 11, "minute": 25}
